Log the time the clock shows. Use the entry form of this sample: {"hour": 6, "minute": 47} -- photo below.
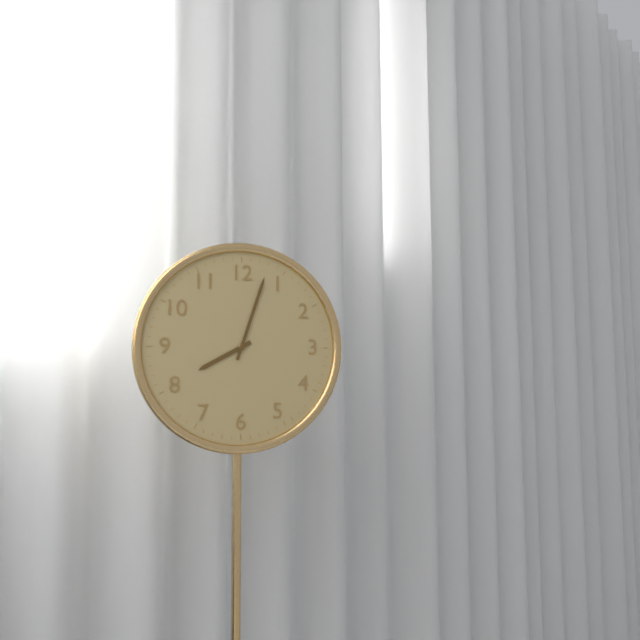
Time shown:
{"hour": 8, "minute": 3}
